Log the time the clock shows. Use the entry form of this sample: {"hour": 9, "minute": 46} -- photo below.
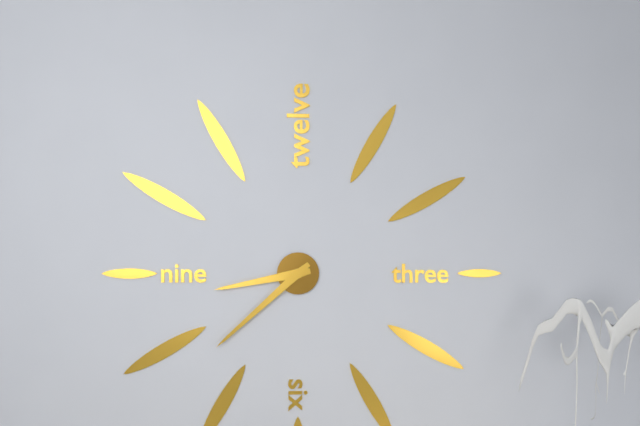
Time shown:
{"hour": 8, "minute": 38}
